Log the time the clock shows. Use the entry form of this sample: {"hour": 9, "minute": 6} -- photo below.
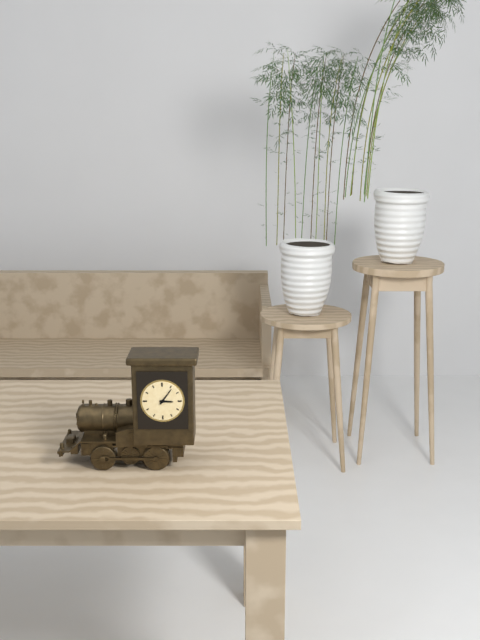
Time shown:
{"hour": 3, "minute": 6}
